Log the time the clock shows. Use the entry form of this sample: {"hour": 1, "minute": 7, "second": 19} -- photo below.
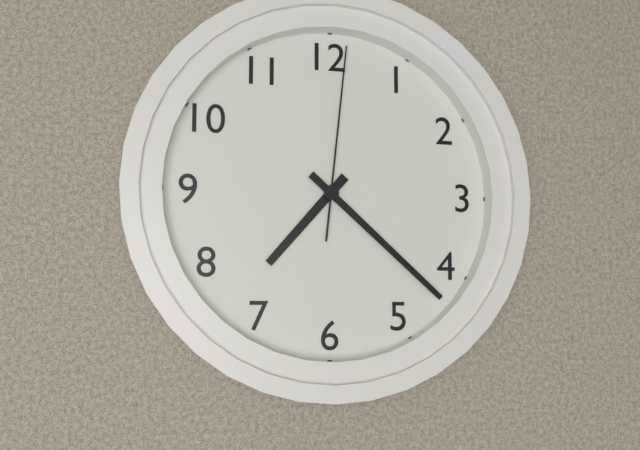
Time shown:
{"hour": 7, "minute": 22, "second": 1}
